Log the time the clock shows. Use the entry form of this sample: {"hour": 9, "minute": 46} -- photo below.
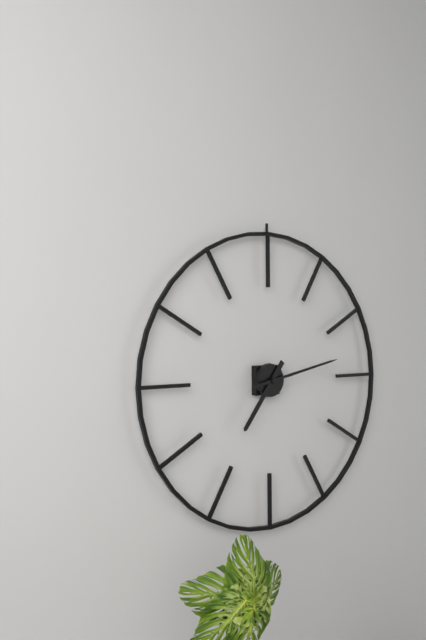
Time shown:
{"hour": 7, "minute": 13}
